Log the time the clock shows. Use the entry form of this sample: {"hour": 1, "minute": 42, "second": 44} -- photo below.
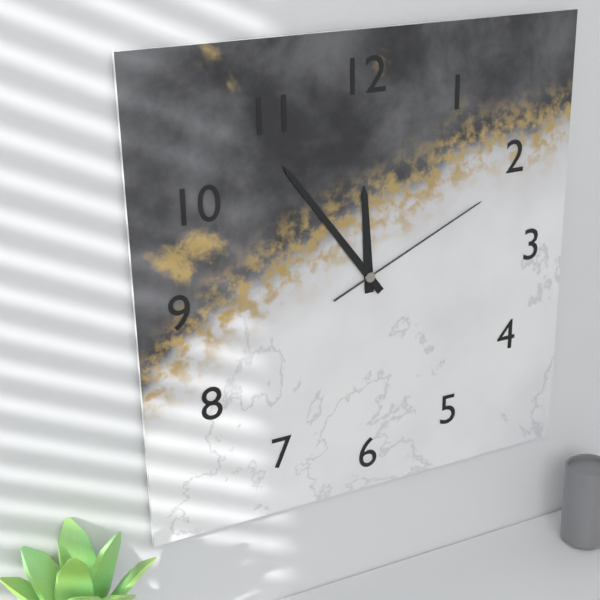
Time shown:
{"hour": 11, "minute": 54, "second": 11}
